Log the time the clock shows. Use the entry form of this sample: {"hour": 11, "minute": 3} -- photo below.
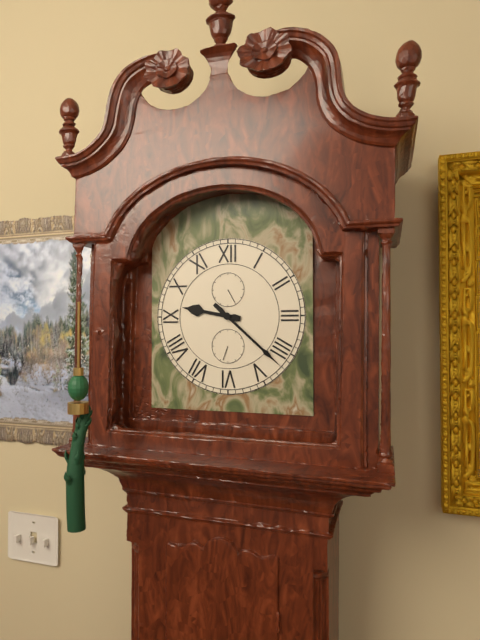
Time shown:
{"hour": 9, "minute": 22}
